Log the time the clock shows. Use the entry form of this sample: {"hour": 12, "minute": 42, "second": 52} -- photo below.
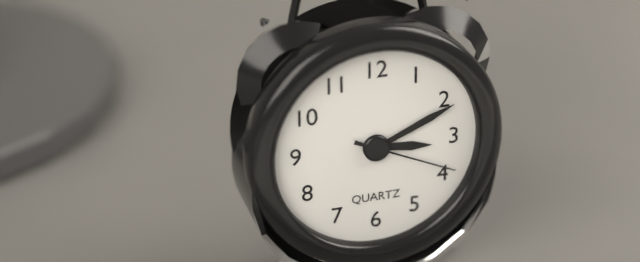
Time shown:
{"hour": 3, "minute": 11, "second": 19}
